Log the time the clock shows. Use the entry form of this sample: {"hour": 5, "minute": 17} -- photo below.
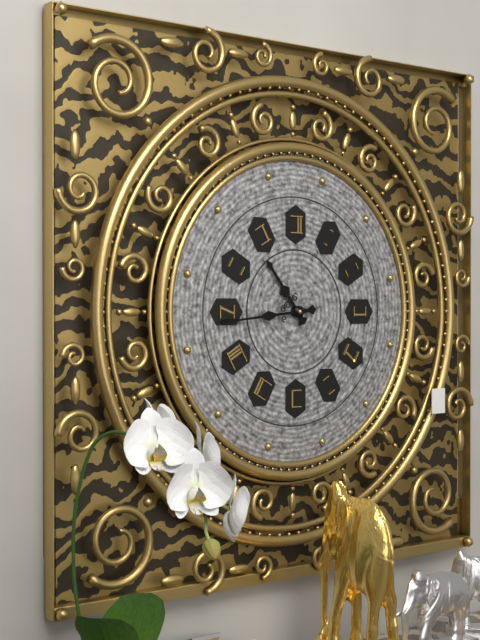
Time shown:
{"hour": 10, "minute": 44}
